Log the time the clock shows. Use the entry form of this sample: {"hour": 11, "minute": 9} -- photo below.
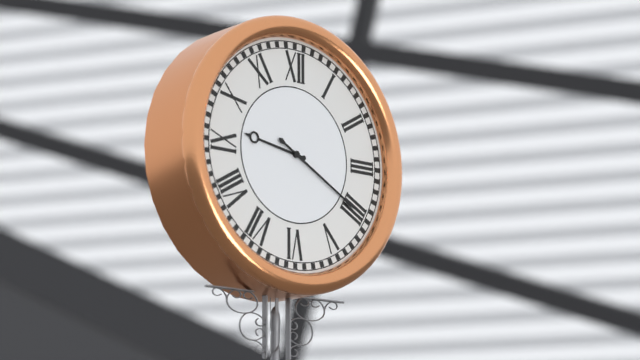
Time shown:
{"hour": 9, "minute": 20}
